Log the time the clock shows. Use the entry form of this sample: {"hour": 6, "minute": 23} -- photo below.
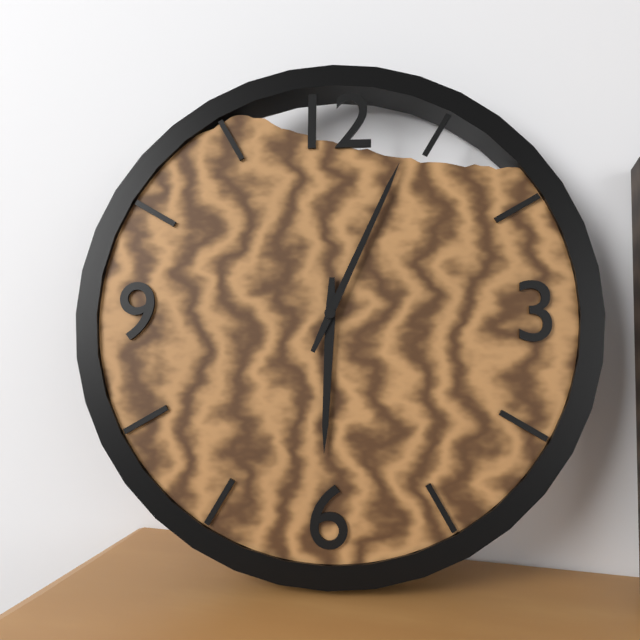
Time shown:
{"hour": 6, "minute": 4}
